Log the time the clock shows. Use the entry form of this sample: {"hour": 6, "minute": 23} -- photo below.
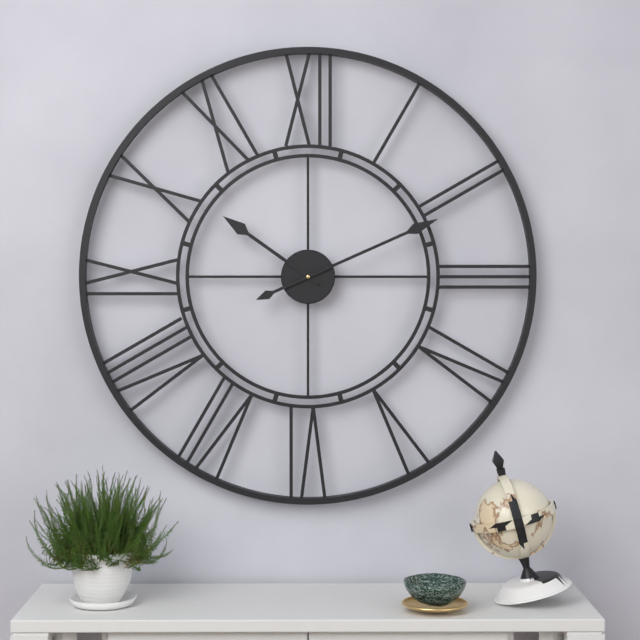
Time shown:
{"hour": 10, "minute": 11}
